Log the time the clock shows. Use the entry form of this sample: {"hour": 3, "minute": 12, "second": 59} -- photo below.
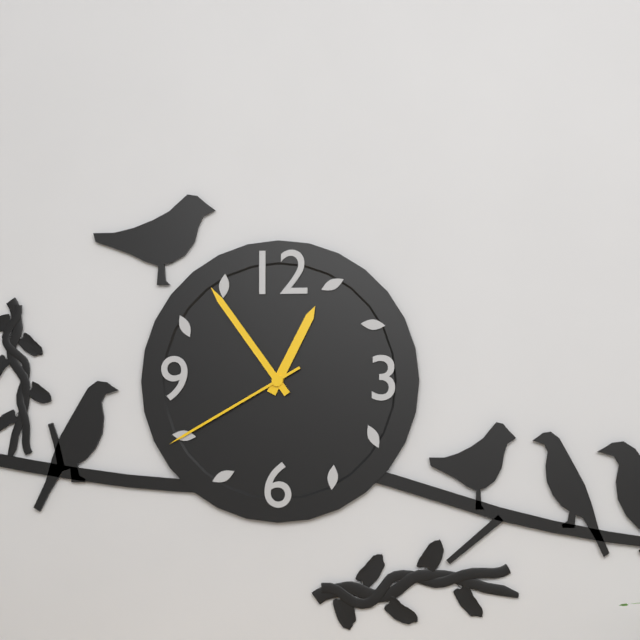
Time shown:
{"hour": 12, "minute": 54, "second": 40}
